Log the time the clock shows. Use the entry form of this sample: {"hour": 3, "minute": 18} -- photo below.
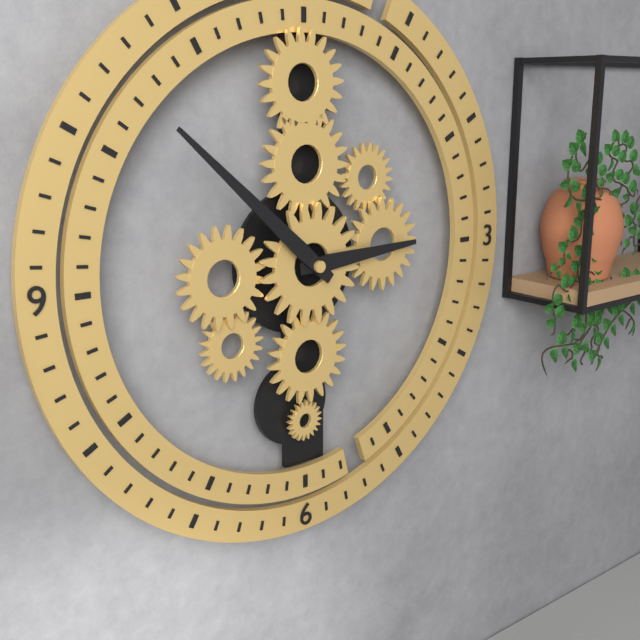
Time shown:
{"hour": 2, "minute": 52}
